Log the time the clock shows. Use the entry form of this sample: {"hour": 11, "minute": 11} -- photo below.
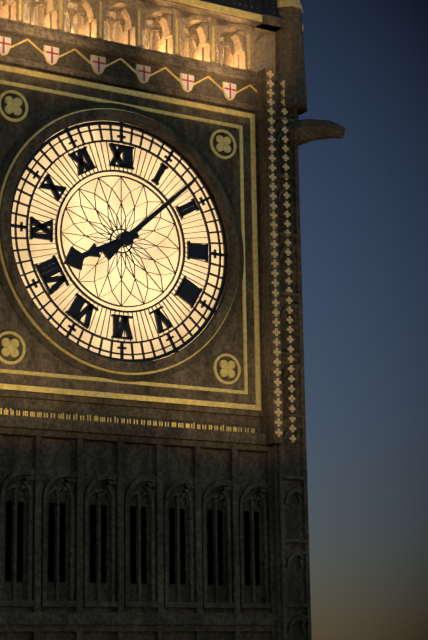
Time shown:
{"hour": 8, "minute": 8}
